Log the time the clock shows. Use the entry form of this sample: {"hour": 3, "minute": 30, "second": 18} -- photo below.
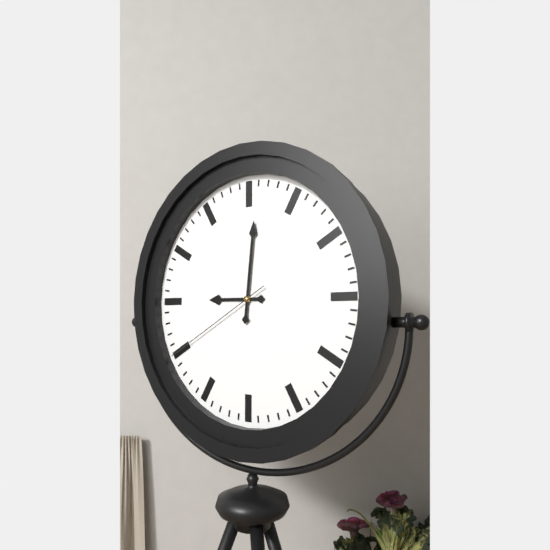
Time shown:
{"hour": 9, "minute": 1, "second": 40}
